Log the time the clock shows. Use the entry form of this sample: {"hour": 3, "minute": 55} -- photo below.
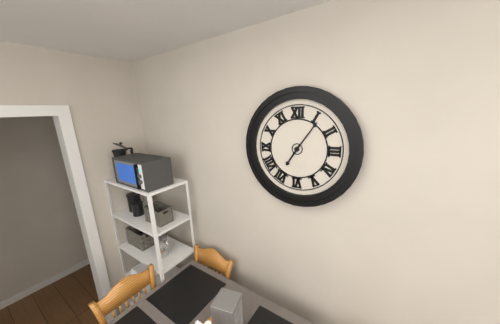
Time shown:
{"hour": 7, "minute": 6}
